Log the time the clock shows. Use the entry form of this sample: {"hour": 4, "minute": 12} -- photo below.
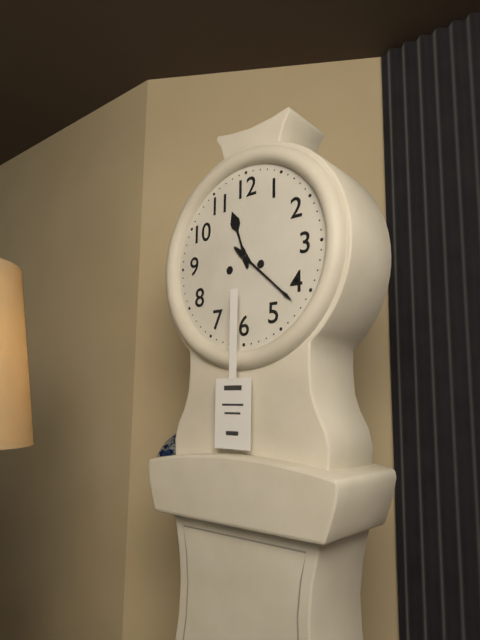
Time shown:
{"hour": 11, "minute": 22}
